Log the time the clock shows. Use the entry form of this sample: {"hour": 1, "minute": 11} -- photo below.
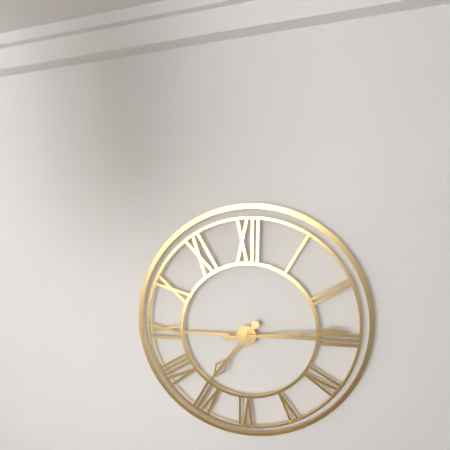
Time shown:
{"hour": 7, "minute": 14}
